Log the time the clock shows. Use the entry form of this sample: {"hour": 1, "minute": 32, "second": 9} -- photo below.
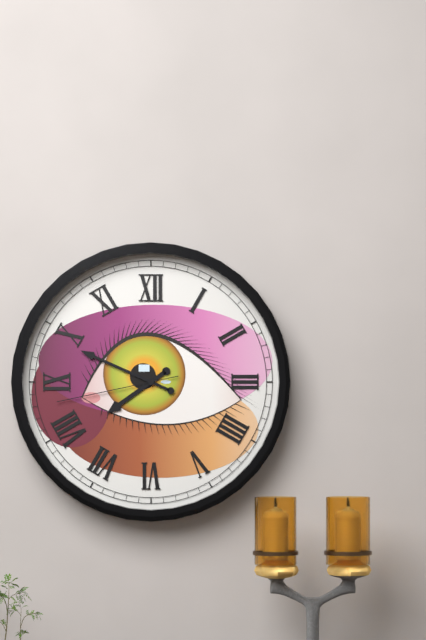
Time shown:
{"hour": 7, "minute": 49, "second": 43}
